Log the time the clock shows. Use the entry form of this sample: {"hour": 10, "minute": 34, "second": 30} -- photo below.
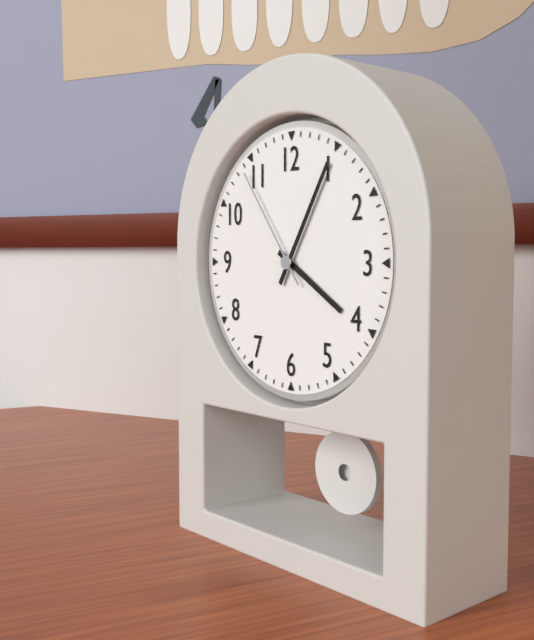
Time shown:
{"hour": 4, "minute": 5, "second": 54}
